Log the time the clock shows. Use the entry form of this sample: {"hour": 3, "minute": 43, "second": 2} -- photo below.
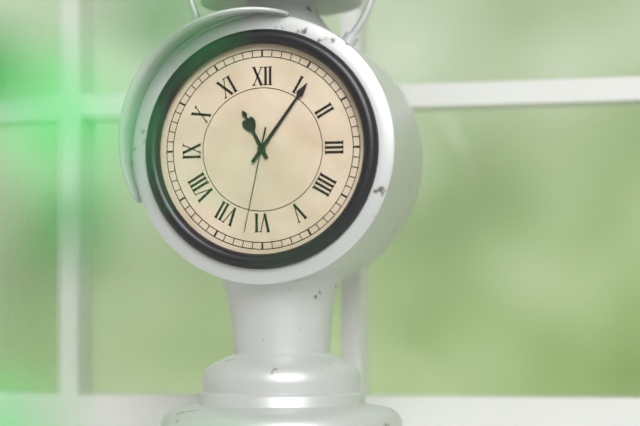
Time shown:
{"hour": 11, "minute": 6, "second": 32}
